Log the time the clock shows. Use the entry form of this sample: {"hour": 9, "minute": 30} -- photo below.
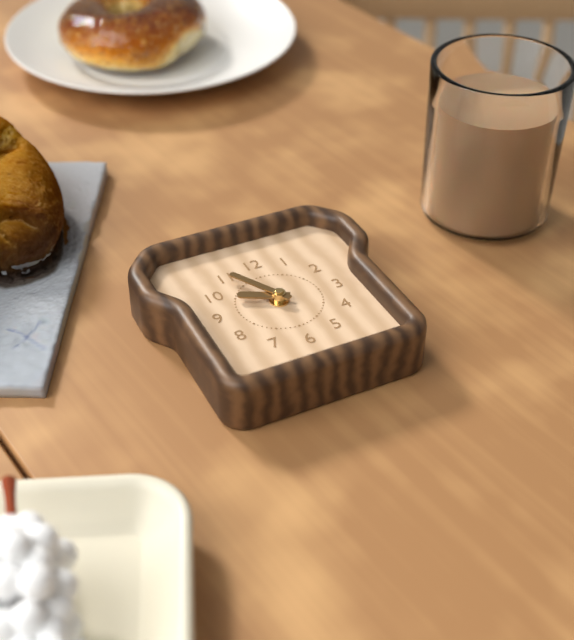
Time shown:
{"hour": 9, "minute": 55}
